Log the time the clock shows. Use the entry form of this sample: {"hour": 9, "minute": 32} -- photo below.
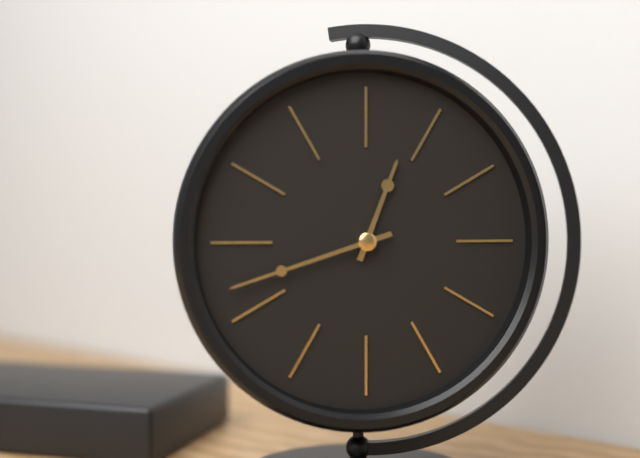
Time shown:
{"hour": 12, "minute": 42}
